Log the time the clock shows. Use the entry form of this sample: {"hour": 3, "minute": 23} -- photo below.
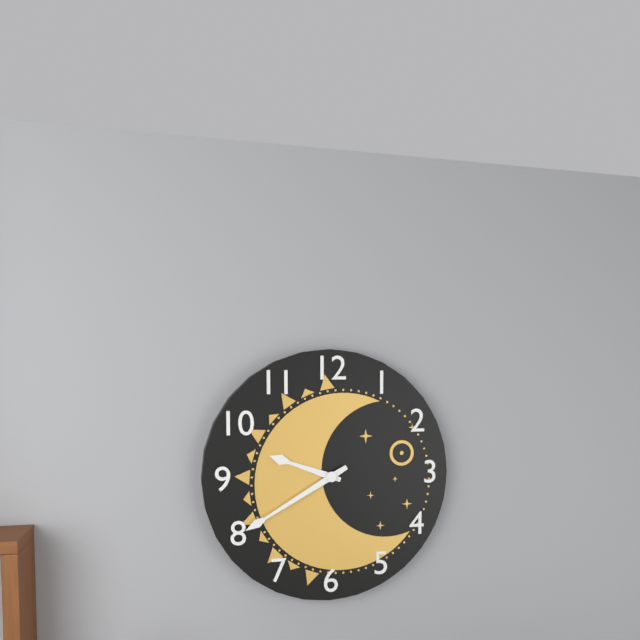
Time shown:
{"hour": 9, "minute": 40}
